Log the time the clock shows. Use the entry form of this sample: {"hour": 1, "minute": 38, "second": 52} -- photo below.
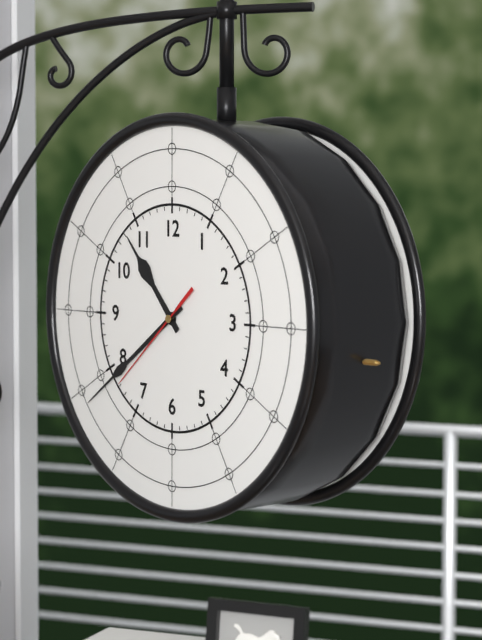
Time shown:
{"hour": 10, "minute": 39, "second": 38}
